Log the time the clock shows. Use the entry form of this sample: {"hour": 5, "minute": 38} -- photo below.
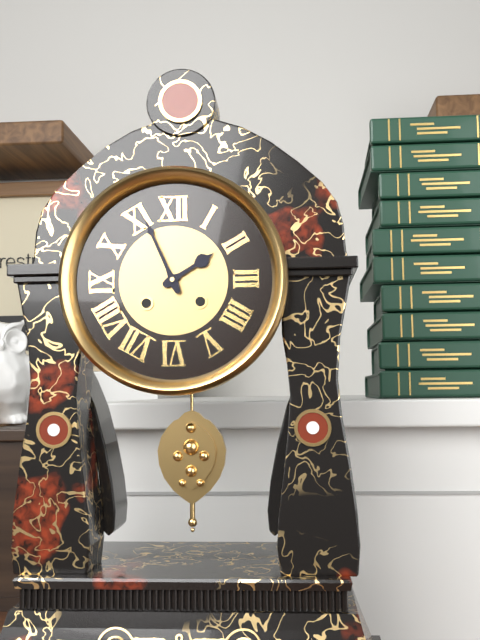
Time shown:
{"hour": 1, "minute": 56}
